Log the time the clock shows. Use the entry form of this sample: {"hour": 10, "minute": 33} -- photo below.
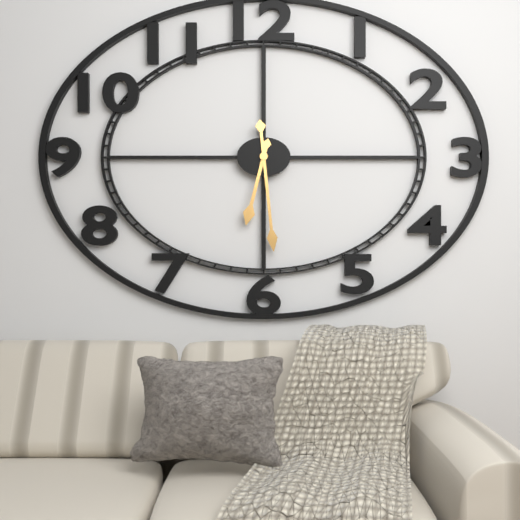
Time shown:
{"hour": 6, "minute": 29}
